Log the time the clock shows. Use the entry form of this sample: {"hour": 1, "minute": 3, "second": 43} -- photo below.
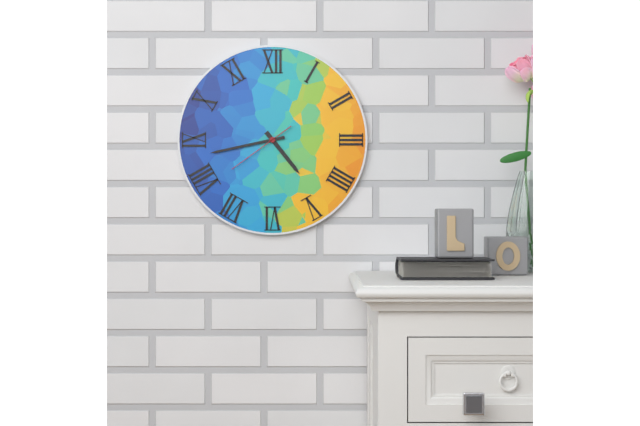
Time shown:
{"hour": 4, "minute": 43, "second": 39}
